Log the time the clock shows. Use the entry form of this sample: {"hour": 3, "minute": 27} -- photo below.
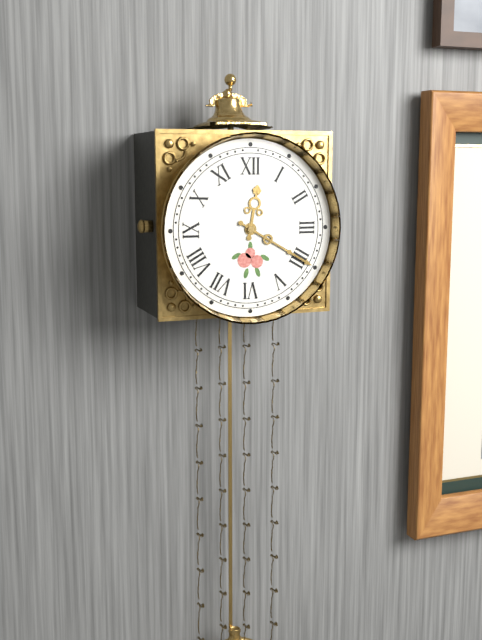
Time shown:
{"hour": 12, "minute": 20}
